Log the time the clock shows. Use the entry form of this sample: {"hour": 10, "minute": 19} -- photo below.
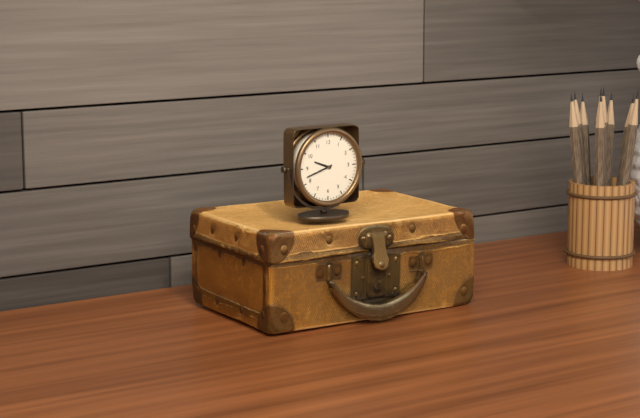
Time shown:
{"hour": 9, "minute": 42}
